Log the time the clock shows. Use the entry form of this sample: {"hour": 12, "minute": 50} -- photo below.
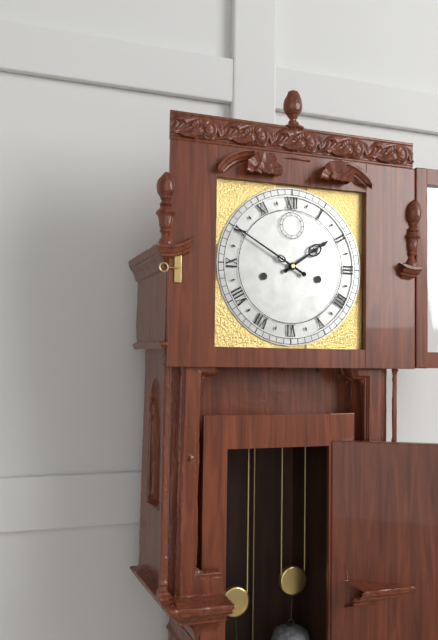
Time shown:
{"hour": 1, "minute": 50}
